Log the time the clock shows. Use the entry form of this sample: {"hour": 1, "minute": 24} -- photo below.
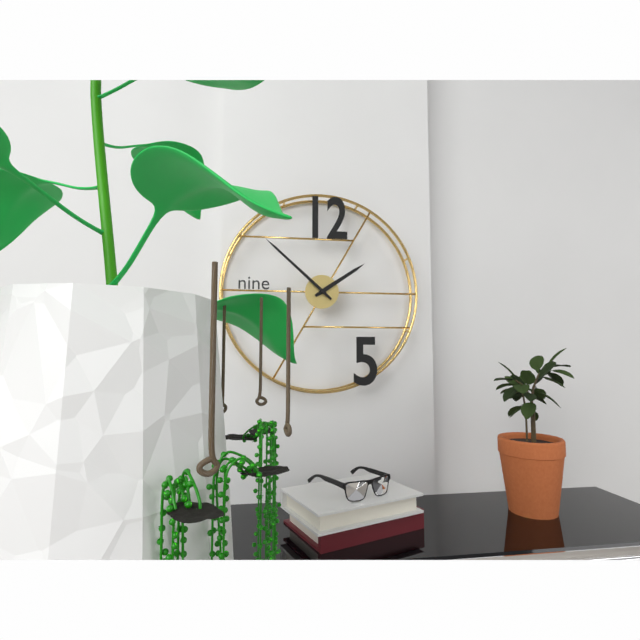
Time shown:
{"hour": 1, "minute": 52}
